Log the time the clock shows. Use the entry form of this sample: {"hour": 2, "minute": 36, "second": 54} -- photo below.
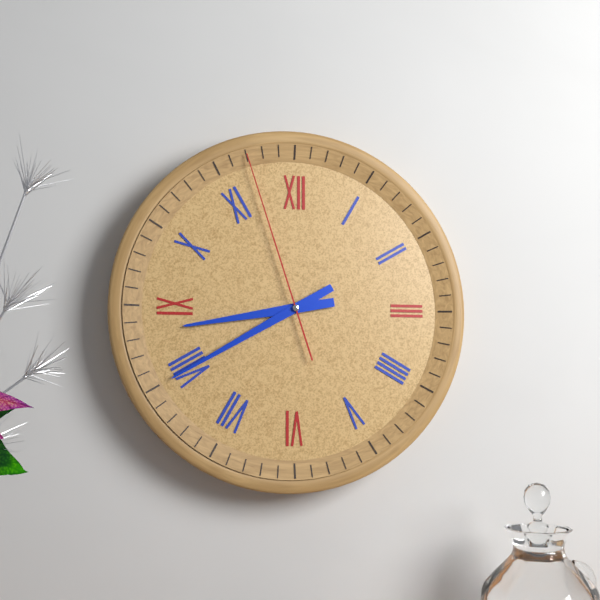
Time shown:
{"hour": 8, "minute": 40, "second": 57}
